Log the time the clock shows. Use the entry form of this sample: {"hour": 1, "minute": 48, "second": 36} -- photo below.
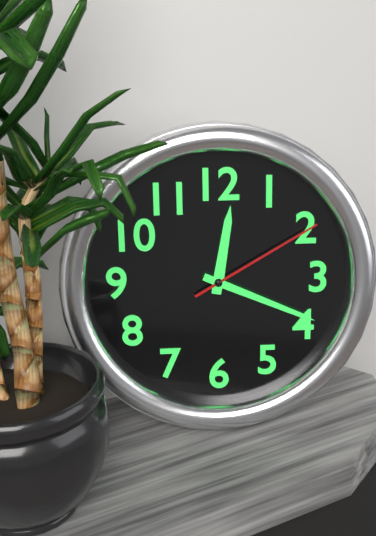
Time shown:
{"hour": 12, "minute": 19, "second": 10}
